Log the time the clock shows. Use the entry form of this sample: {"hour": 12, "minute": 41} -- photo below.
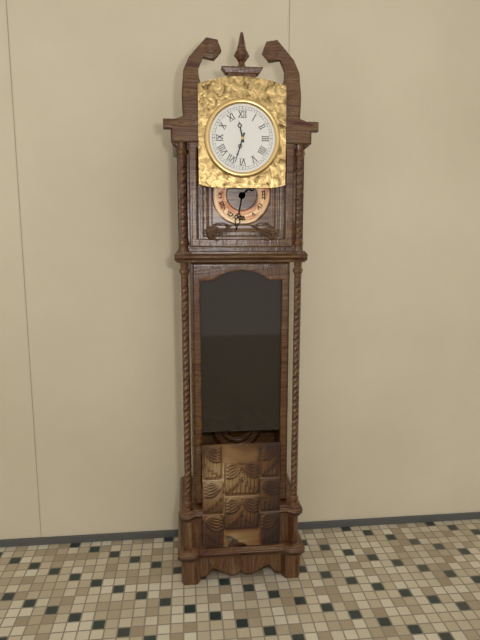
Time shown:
{"hour": 11, "minute": 33}
